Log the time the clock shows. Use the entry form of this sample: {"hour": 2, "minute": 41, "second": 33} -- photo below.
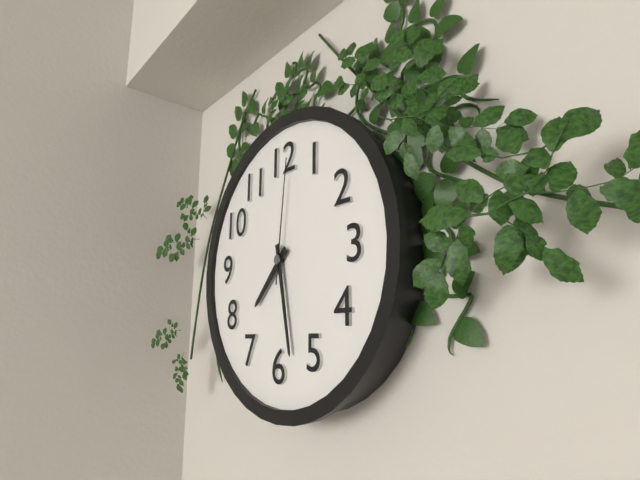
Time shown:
{"hour": 7, "minute": 28, "second": 1}
